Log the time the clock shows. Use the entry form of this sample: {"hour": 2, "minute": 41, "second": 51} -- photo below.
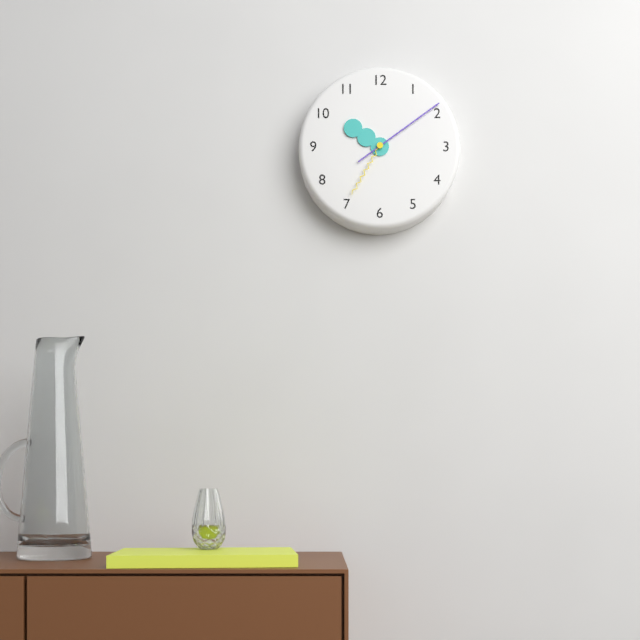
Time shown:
{"hour": 10, "minute": 9, "second": 35}
